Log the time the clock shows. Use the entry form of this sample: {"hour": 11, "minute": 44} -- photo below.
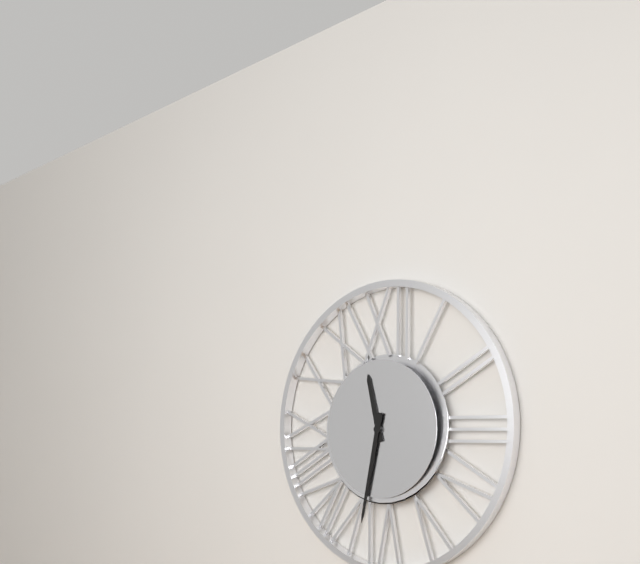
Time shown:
{"hour": 11, "minute": 32}
